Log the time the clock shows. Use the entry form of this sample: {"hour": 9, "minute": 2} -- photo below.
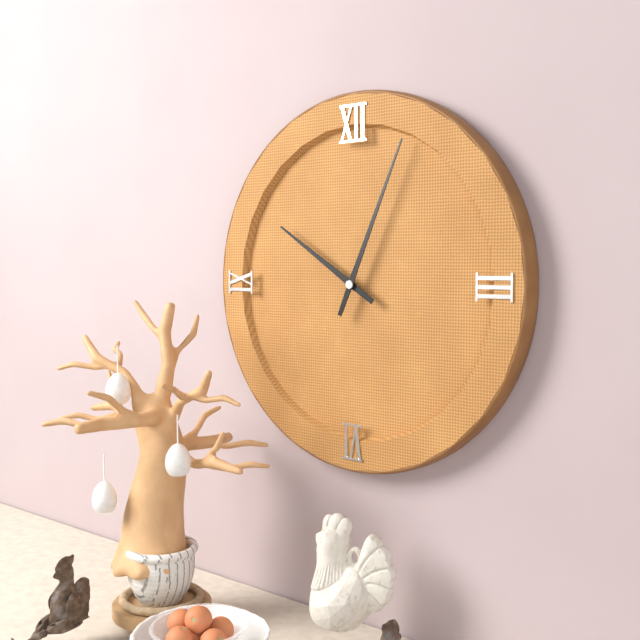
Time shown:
{"hour": 10, "minute": 4}
